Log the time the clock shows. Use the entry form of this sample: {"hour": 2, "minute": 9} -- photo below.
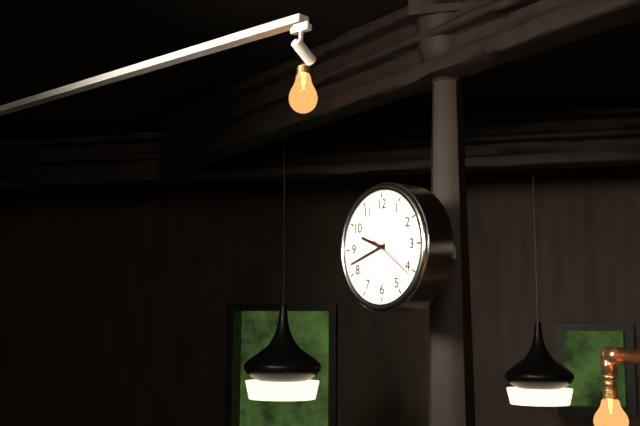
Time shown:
{"hour": 9, "minute": 42}
